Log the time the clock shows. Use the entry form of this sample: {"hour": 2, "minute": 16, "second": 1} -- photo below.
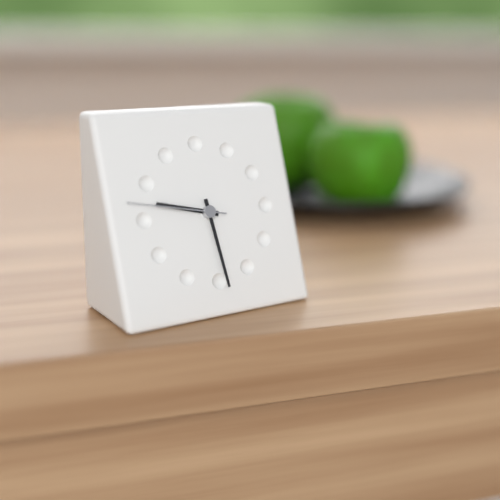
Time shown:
{"hour": 9, "minute": 29, "second": 47}
